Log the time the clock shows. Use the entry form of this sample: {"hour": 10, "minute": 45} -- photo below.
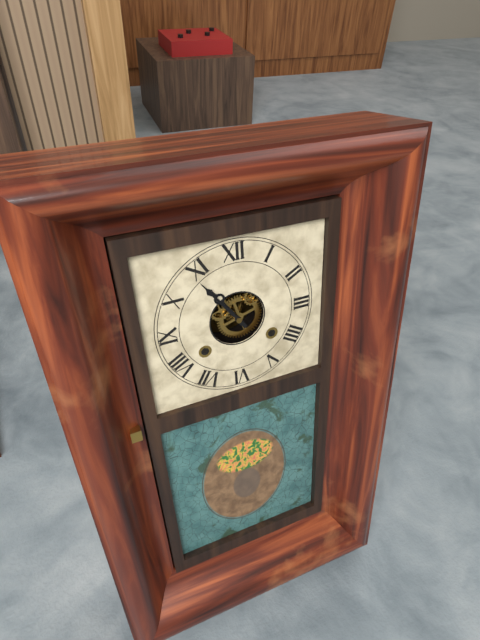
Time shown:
{"hour": 10, "minute": 54}
